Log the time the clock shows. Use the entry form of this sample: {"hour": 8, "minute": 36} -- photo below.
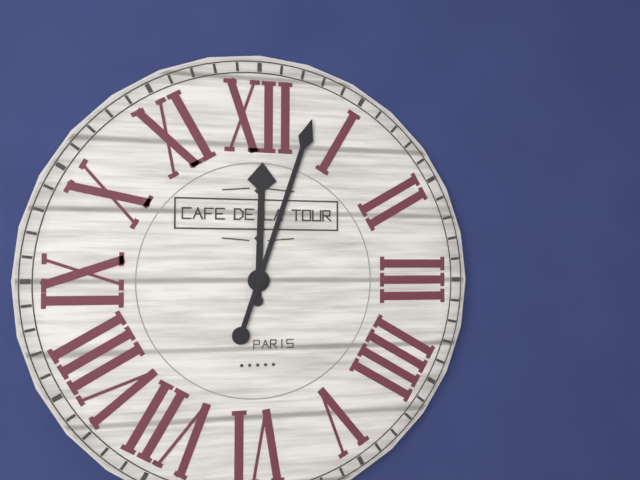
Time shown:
{"hour": 12, "minute": 3}
